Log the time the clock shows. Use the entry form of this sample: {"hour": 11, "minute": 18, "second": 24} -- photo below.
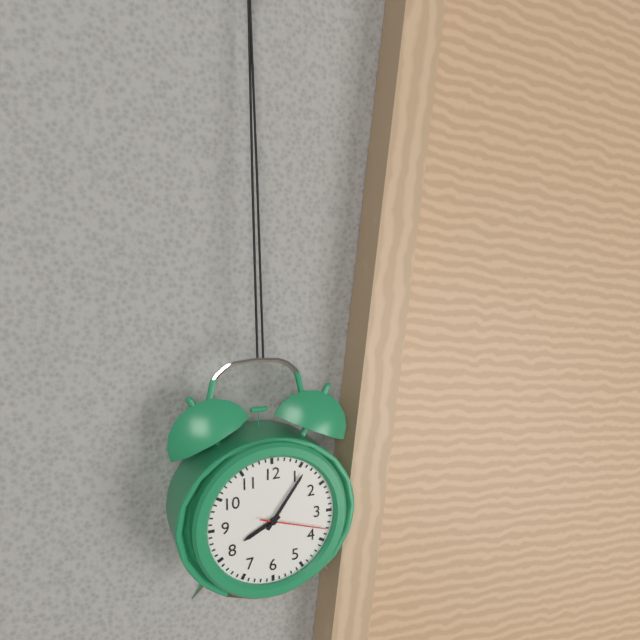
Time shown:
{"hour": 8, "minute": 6, "second": 18}
